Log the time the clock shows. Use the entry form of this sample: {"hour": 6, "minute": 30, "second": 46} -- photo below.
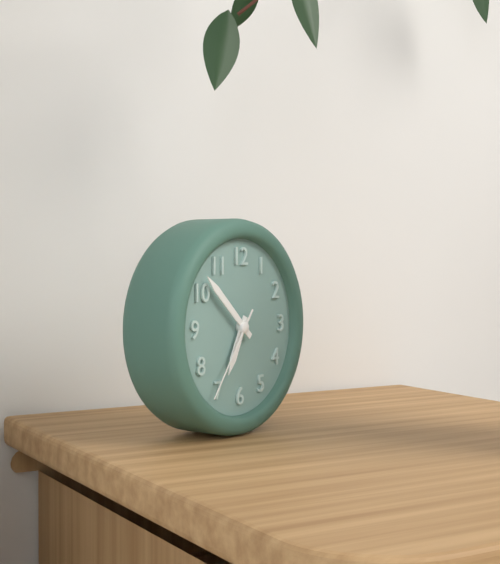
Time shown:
{"hour": 6, "minute": 52, "second": 36}
